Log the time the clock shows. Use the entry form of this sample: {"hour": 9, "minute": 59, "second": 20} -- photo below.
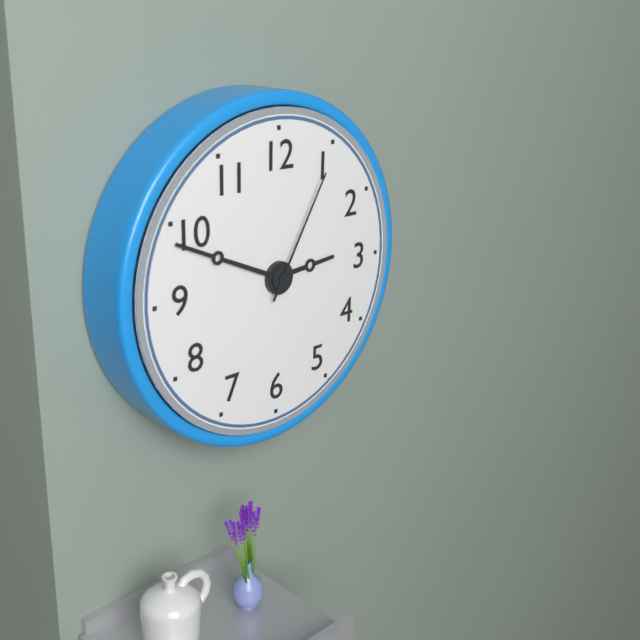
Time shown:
{"hour": 2, "minute": 49, "second": 5}
